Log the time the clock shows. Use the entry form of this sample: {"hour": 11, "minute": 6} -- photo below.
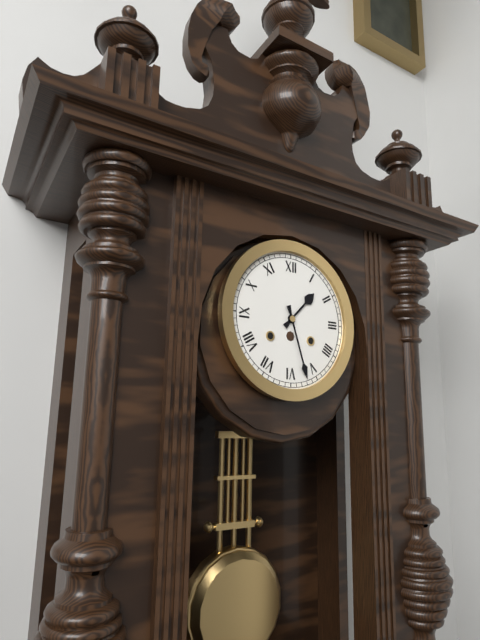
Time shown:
{"hour": 1, "minute": 27}
